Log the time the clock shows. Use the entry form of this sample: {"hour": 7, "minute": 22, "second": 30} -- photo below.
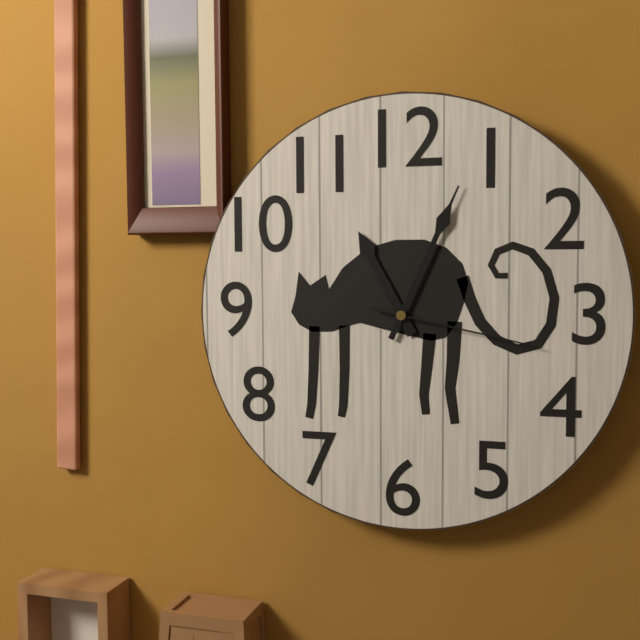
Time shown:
{"hour": 11, "minute": 4, "second": 17}
